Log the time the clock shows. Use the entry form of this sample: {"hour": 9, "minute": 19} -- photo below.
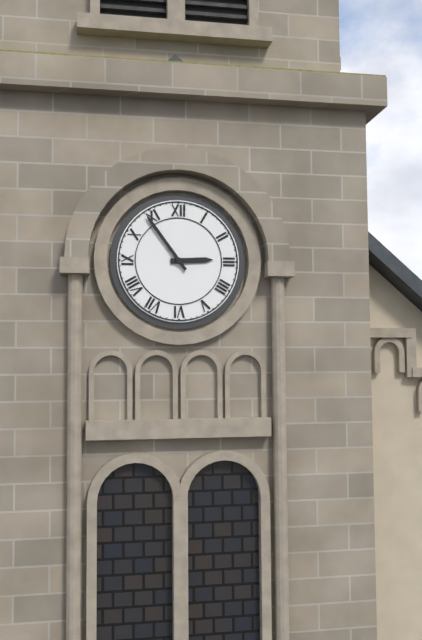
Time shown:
{"hour": 2, "minute": 54}
